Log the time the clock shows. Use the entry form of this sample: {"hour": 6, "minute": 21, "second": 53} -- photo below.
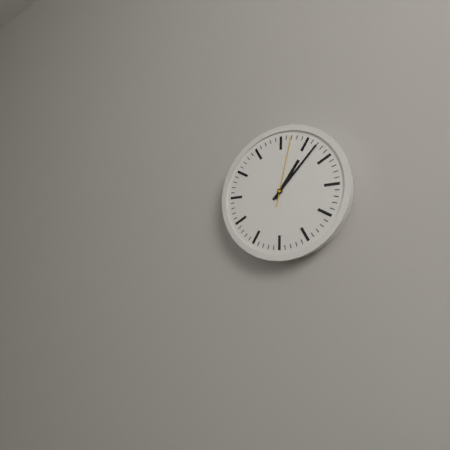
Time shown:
{"hour": 1, "minute": 7, "second": 2}
